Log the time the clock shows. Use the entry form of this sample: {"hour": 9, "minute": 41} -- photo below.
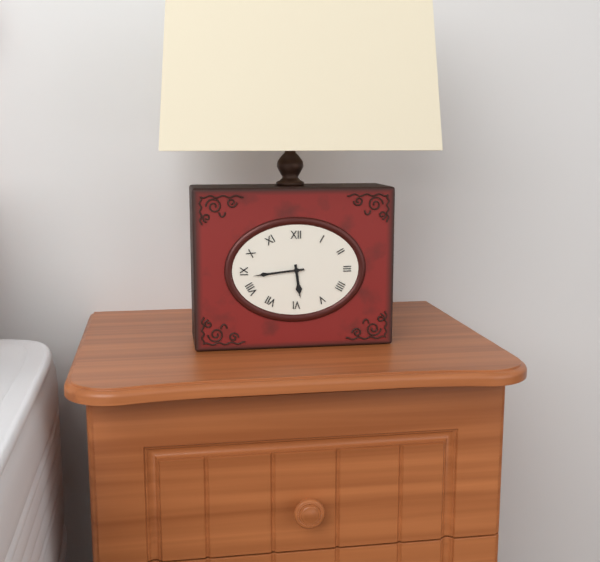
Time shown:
{"hour": 5, "minute": 44}
